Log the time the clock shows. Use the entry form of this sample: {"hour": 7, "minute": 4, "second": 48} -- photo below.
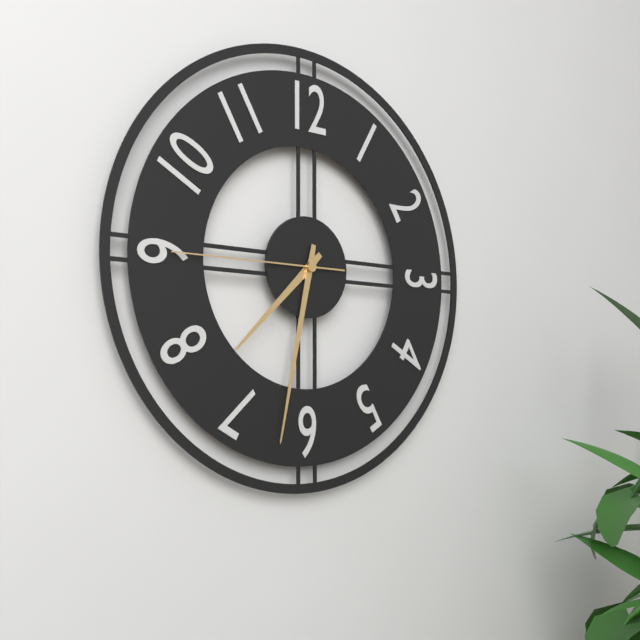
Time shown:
{"hour": 7, "minute": 32, "second": 45}
